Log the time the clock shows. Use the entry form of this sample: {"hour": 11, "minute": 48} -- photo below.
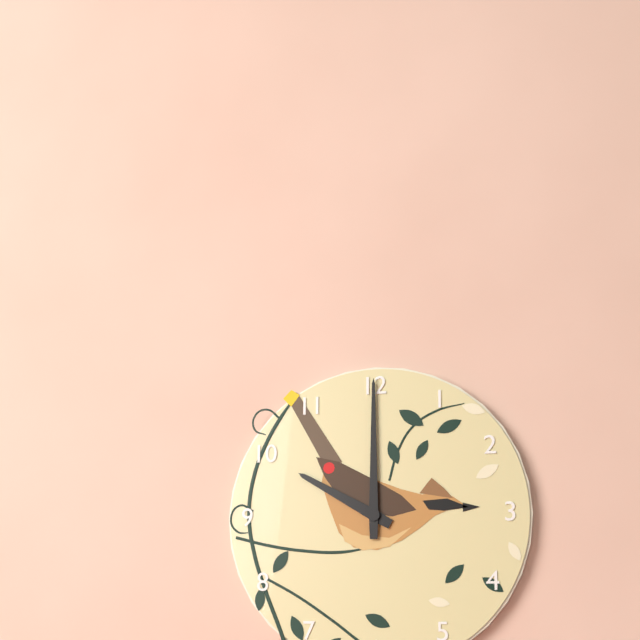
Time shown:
{"hour": 10, "minute": 0}
